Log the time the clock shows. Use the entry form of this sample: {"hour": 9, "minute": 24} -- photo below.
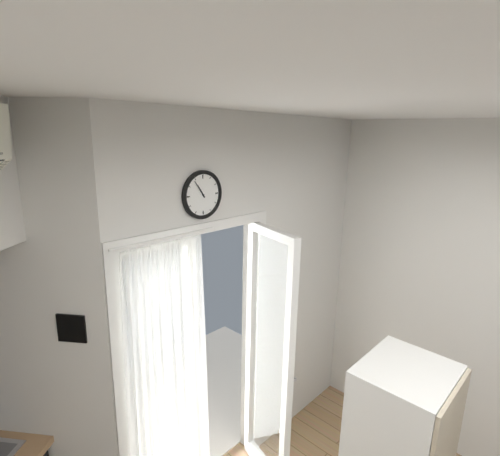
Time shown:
{"hour": 10, "minute": 54}
